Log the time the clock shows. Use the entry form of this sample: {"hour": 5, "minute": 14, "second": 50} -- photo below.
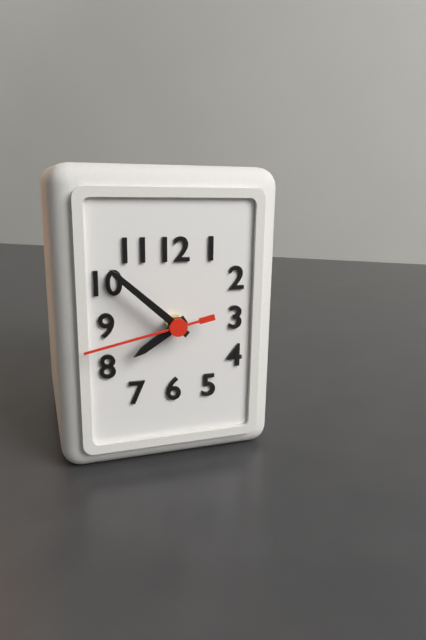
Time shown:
{"hour": 7, "minute": 52, "second": 43}
